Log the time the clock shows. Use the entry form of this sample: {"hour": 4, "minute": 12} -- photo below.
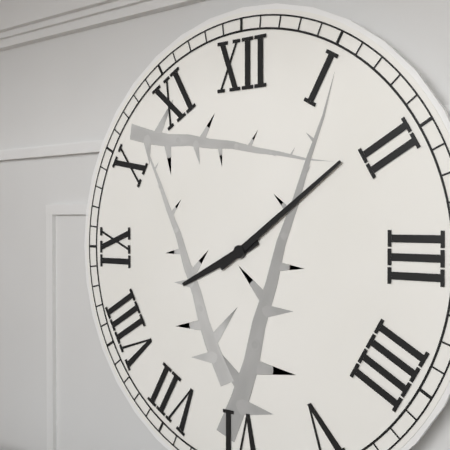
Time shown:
{"hour": 8, "minute": 9}
